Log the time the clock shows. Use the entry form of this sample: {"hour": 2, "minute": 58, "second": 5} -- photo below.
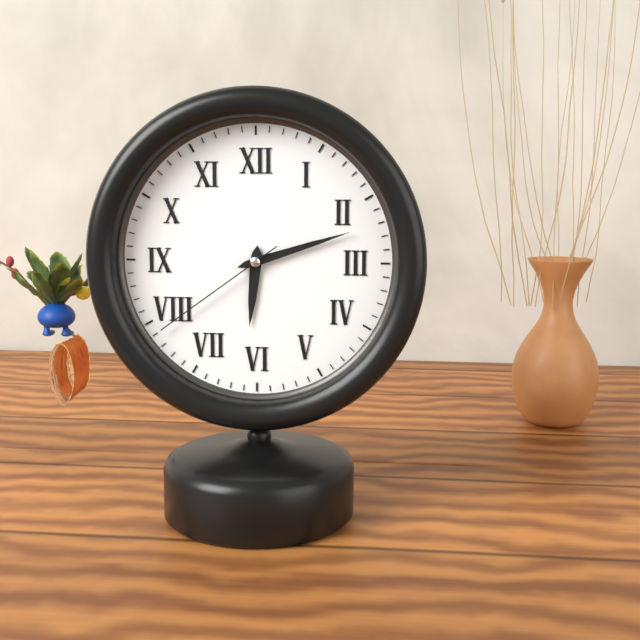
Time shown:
{"hour": 6, "minute": 12, "second": 39}
